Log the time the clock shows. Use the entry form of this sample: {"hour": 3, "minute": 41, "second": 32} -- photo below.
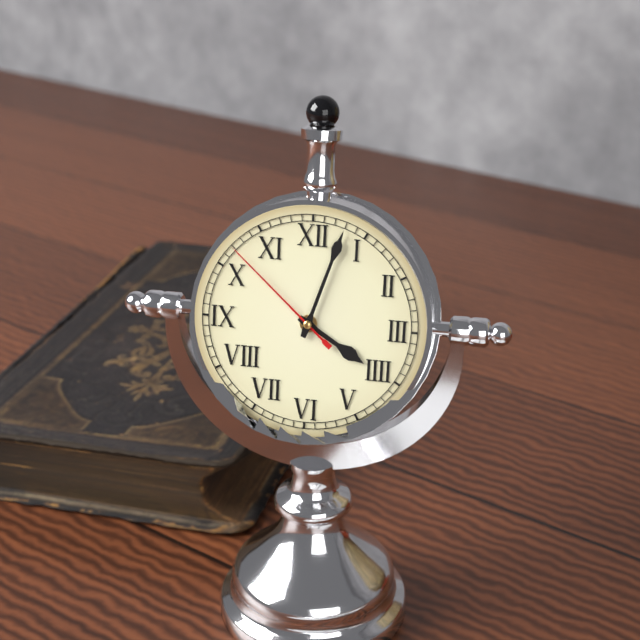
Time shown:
{"hour": 4, "minute": 3, "second": 52}
